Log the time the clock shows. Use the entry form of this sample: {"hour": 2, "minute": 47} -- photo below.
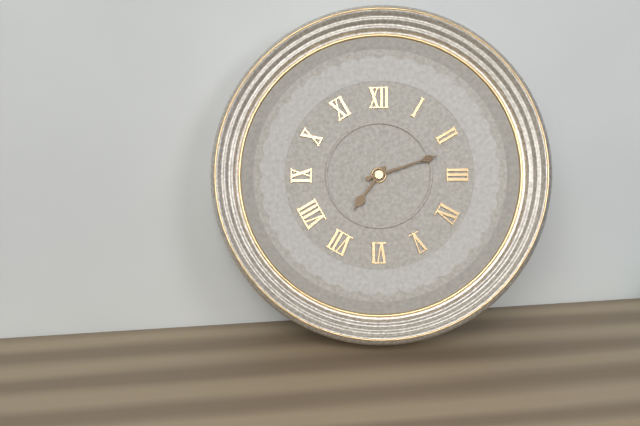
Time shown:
{"hour": 7, "minute": 12}
